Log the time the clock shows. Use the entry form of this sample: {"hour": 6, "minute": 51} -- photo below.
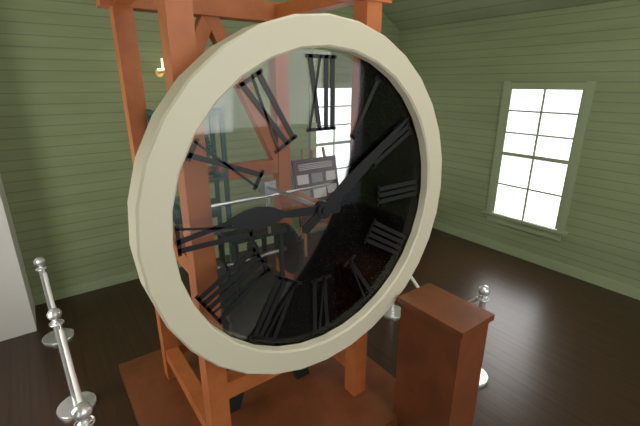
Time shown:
{"hour": 9, "minute": 9}
